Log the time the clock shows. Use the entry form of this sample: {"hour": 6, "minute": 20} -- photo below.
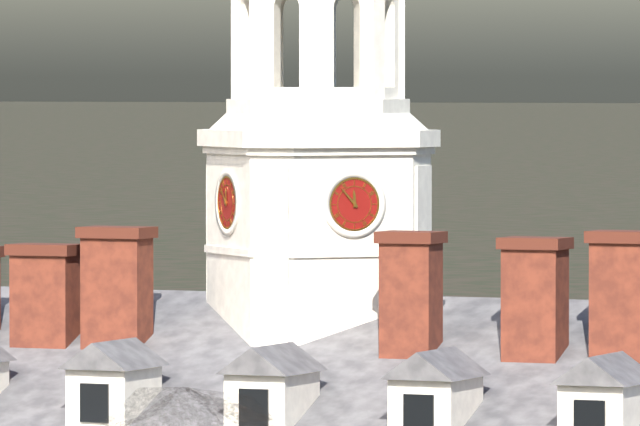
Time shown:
{"hour": 11, "minute": 53}
